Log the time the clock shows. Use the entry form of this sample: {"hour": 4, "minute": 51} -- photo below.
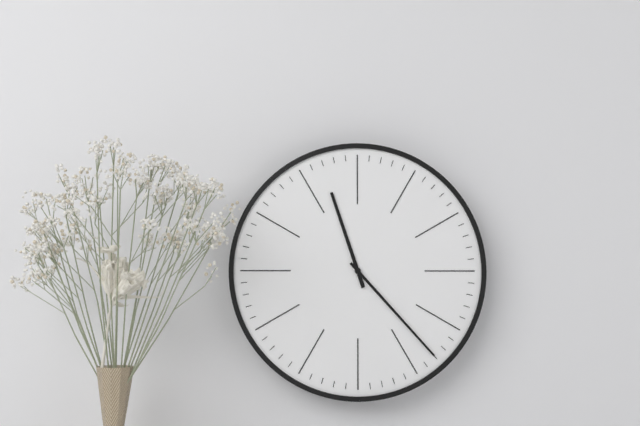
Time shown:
{"hour": 11, "minute": 23}
